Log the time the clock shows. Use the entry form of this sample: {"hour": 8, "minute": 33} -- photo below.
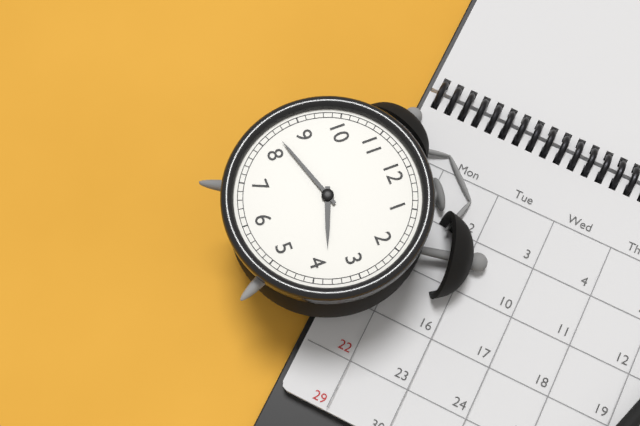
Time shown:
{"hour": 3, "minute": 42}
